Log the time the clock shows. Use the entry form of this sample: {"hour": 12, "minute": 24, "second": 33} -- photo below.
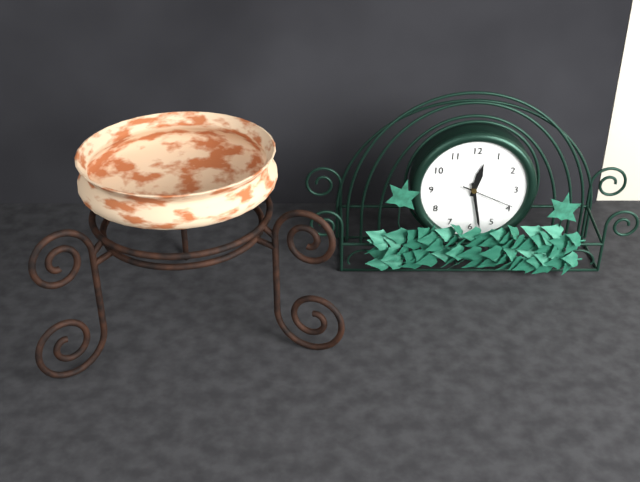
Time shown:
{"hour": 12, "minute": 28, "second": 19}
